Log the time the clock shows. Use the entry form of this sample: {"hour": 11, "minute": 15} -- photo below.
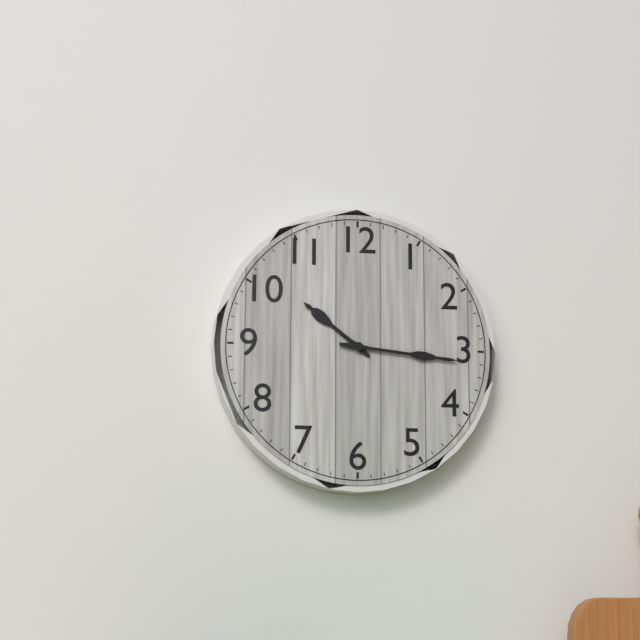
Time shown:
{"hour": 10, "minute": 16}
